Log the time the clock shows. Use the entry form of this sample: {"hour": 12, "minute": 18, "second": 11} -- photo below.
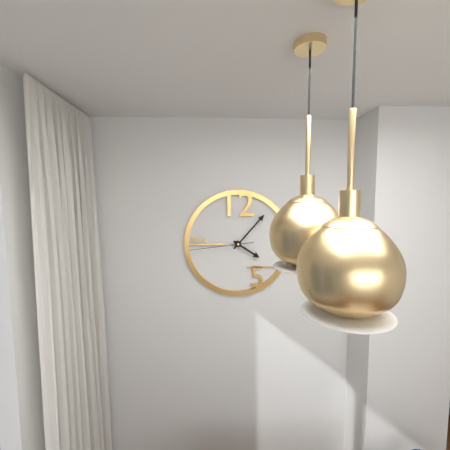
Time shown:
{"hour": 4, "minute": 7, "second": 44}
